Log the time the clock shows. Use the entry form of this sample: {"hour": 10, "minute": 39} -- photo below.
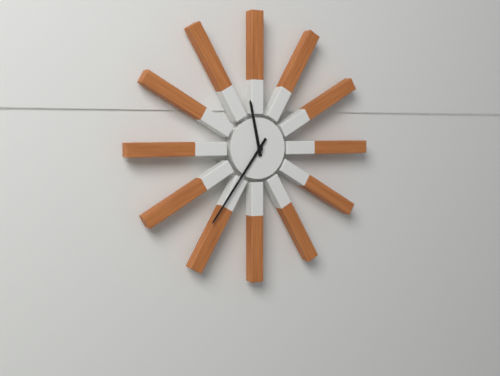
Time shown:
{"hour": 11, "minute": 36}
